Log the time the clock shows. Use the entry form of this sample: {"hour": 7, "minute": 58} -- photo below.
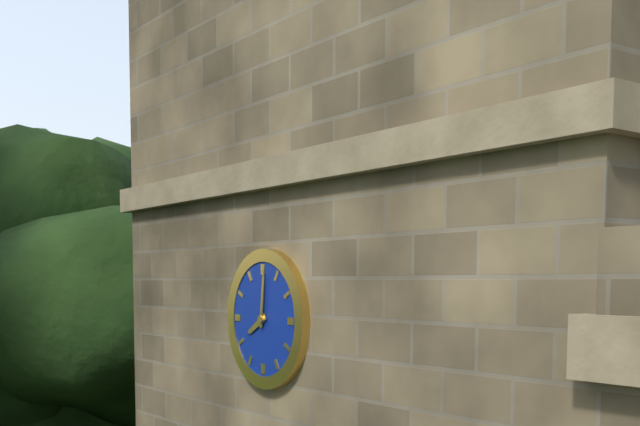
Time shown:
{"hour": 8, "minute": 1}
